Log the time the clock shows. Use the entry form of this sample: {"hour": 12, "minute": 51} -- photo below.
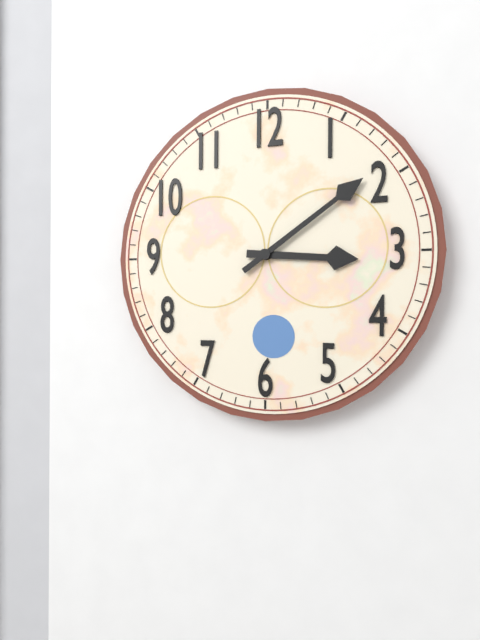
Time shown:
{"hour": 3, "minute": 9}
